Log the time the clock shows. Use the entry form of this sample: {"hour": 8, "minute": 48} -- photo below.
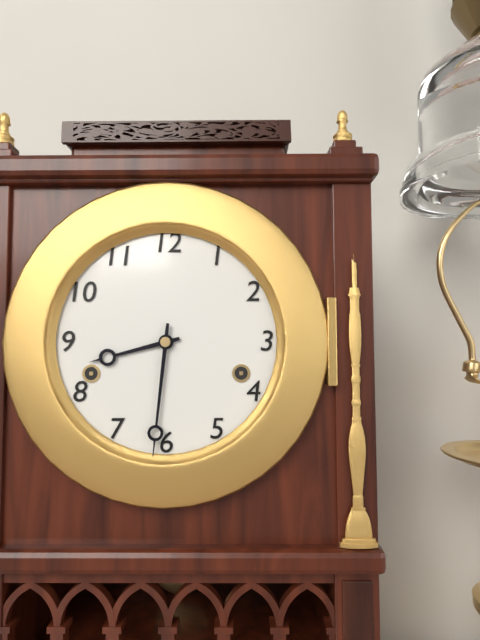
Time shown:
{"hour": 8, "minute": 31}
